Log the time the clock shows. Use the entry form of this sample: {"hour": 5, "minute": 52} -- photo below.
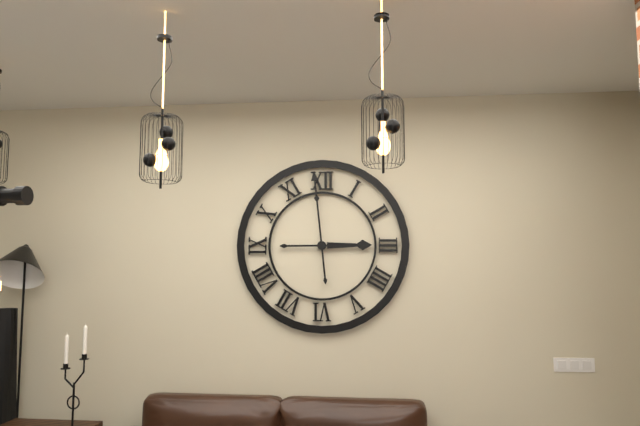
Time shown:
{"hour": 2, "minute": 59}
